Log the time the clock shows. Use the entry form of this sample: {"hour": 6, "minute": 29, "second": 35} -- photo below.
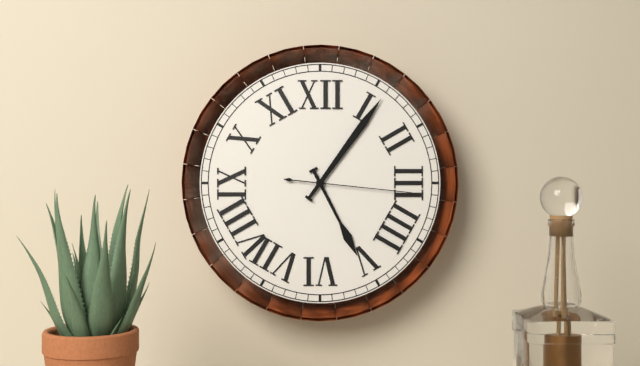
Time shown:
{"hour": 5, "minute": 6, "second": 16}
